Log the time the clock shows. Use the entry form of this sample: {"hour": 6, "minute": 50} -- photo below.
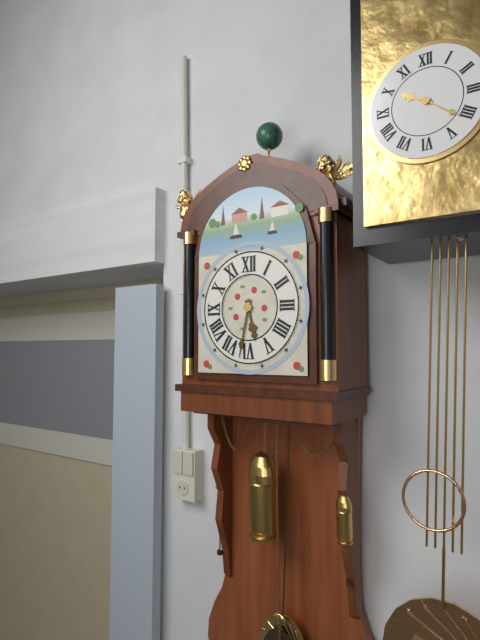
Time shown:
{"hour": 5, "minute": 32}
